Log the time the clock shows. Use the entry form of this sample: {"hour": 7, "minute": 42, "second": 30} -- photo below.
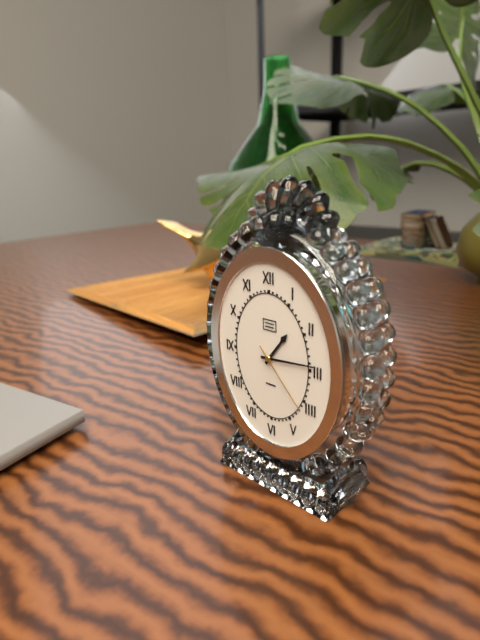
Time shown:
{"hour": 1, "minute": 14, "second": 23}
